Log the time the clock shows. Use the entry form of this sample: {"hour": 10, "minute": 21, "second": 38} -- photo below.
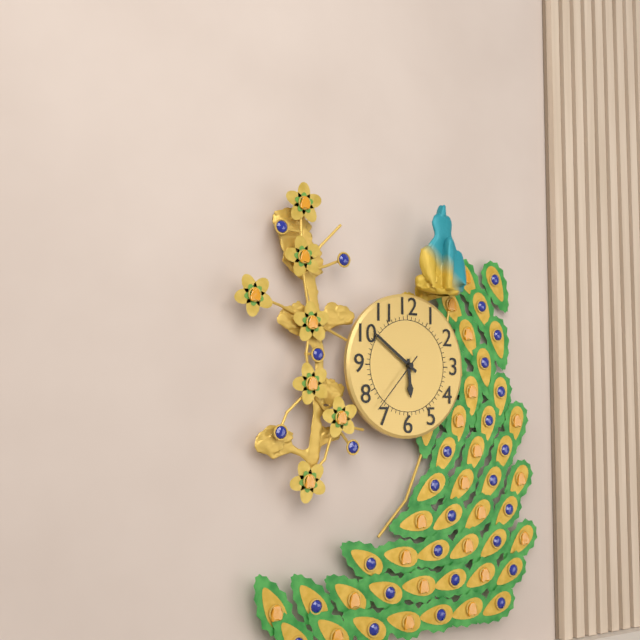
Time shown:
{"hour": 5, "minute": 51, "second": 37}
